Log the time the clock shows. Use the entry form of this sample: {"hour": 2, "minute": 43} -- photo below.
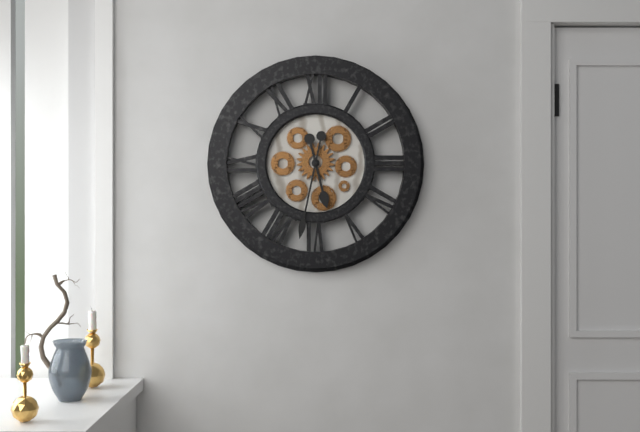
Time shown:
{"hour": 5, "minute": 32}
